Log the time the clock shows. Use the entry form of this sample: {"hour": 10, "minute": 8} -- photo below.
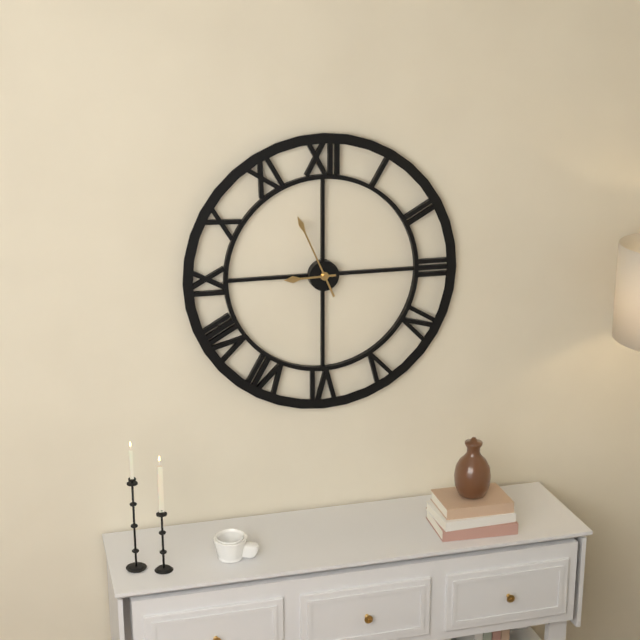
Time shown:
{"hour": 8, "minute": 56}
